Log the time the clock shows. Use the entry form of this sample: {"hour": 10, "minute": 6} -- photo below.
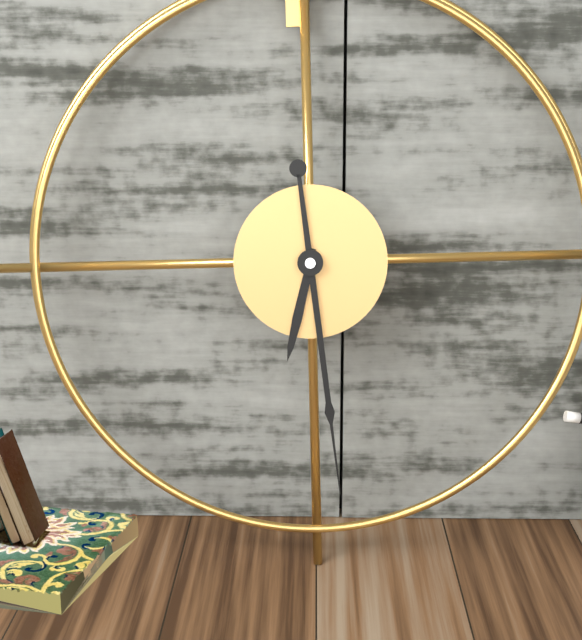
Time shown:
{"hour": 6, "minute": 29}
